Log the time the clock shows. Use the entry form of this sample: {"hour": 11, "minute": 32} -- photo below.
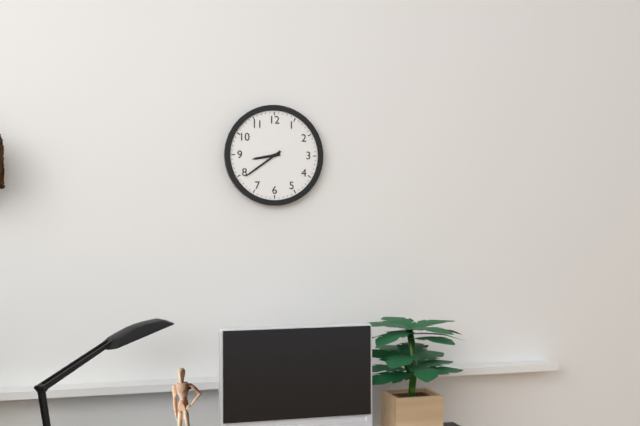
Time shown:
{"hour": 8, "minute": 39}
